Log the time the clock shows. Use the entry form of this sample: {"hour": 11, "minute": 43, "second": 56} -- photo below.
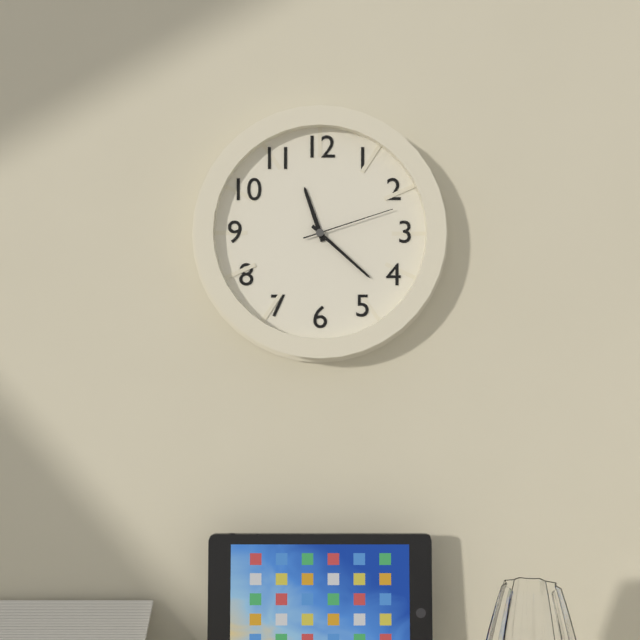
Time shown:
{"hour": 11, "minute": 22, "second": 12}
